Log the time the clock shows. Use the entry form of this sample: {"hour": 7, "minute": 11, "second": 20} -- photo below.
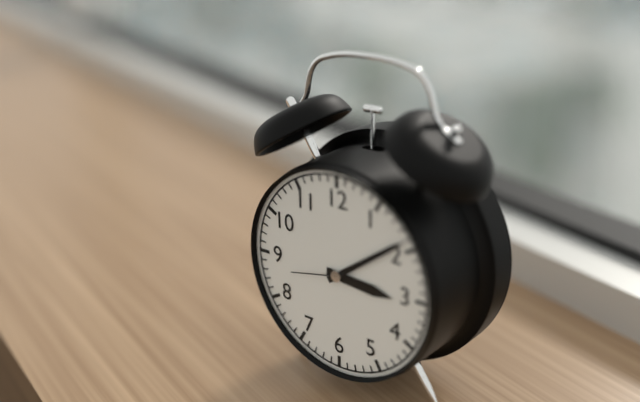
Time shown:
{"hour": 3, "minute": 9, "second": 43}
